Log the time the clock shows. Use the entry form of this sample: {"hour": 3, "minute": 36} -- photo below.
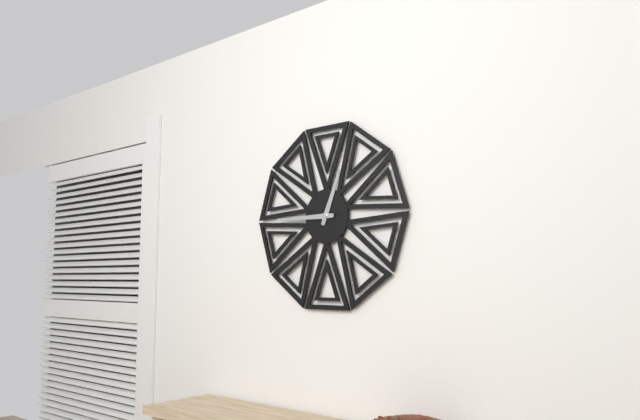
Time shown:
{"hour": 12, "minute": 45}
